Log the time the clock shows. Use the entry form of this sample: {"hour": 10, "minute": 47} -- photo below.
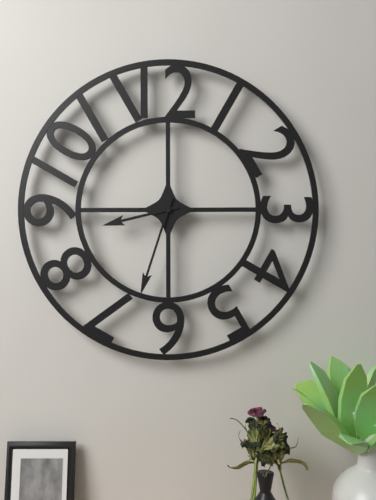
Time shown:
{"hour": 8, "minute": 33}
